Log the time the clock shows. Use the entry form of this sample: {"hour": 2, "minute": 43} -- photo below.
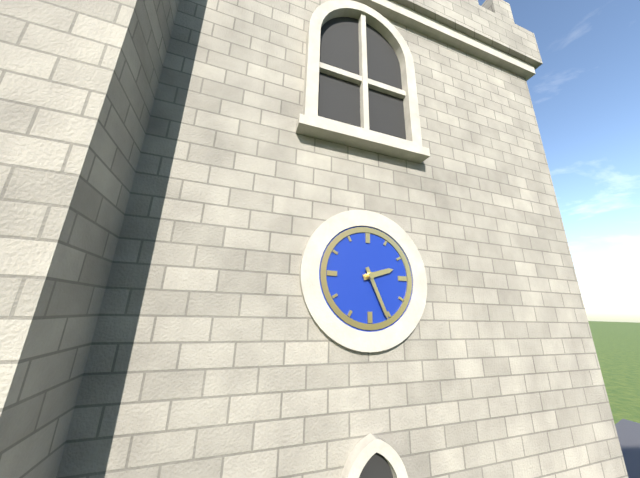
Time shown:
{"hour": 2, "minute": 26}
